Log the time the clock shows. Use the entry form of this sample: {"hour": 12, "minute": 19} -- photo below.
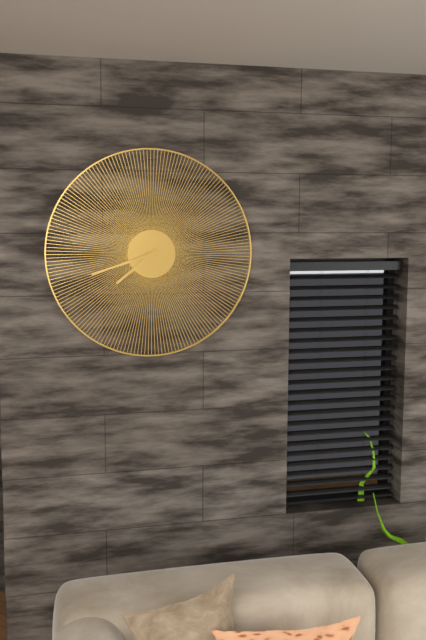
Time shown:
{"hour": 7, "minute": 42}
